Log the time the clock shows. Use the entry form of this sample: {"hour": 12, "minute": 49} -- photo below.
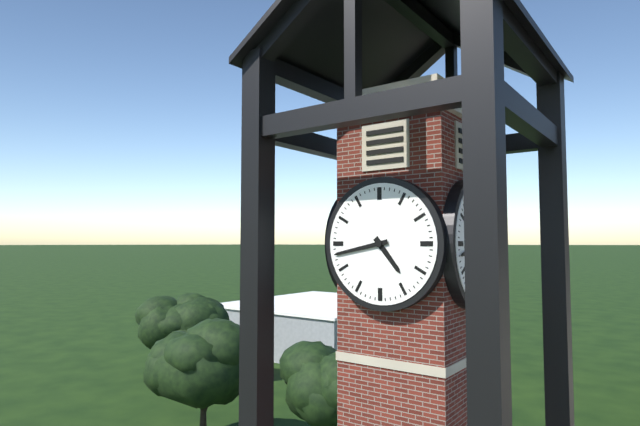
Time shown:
{"hour": 4, "minute": 43}
